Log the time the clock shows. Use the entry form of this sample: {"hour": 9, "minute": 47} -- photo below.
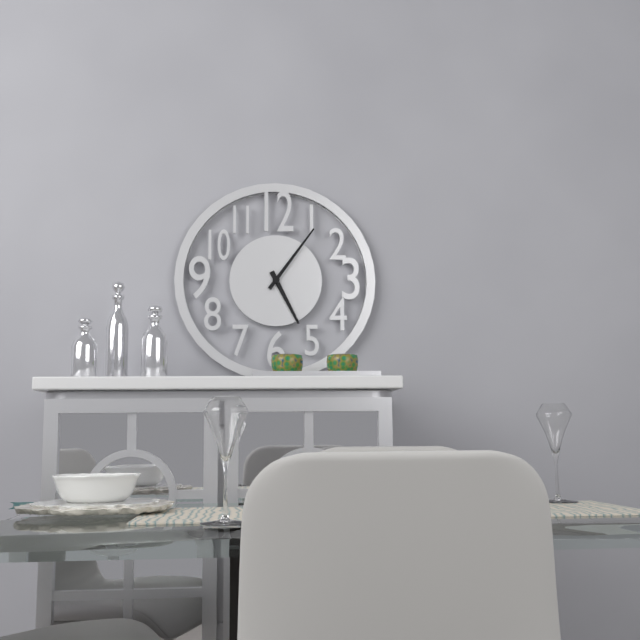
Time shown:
{"hour": 5, "minute": 6}
